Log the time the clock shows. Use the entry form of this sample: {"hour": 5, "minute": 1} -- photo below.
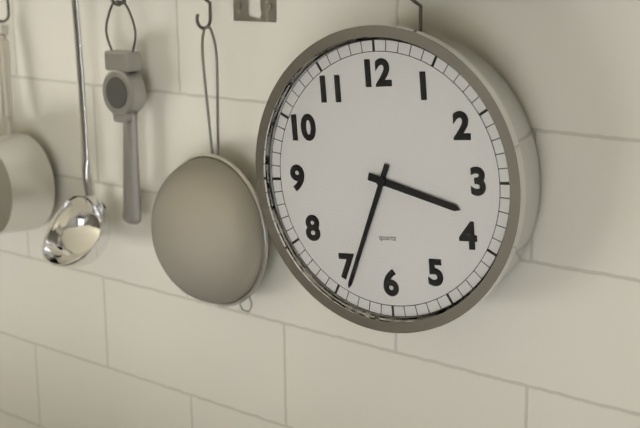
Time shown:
{"hour": 3, "minute": 34}
